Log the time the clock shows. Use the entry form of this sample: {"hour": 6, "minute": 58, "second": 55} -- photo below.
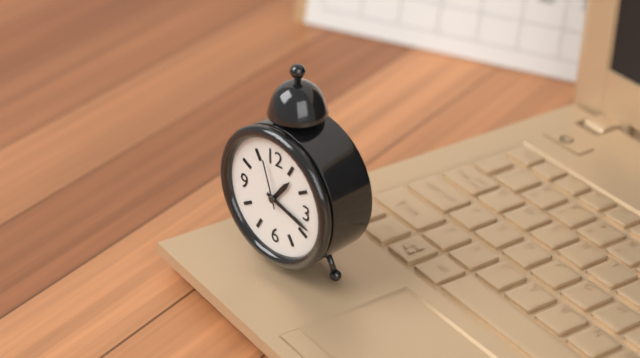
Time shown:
{"hour": 1, "minute": 18, "second": 57}
